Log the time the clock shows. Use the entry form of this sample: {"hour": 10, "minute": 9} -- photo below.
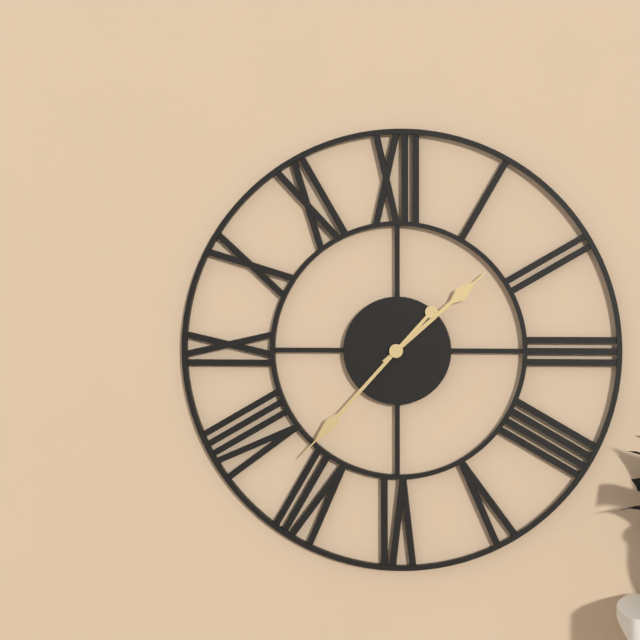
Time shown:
{"hour": 1, "minute": 37}
